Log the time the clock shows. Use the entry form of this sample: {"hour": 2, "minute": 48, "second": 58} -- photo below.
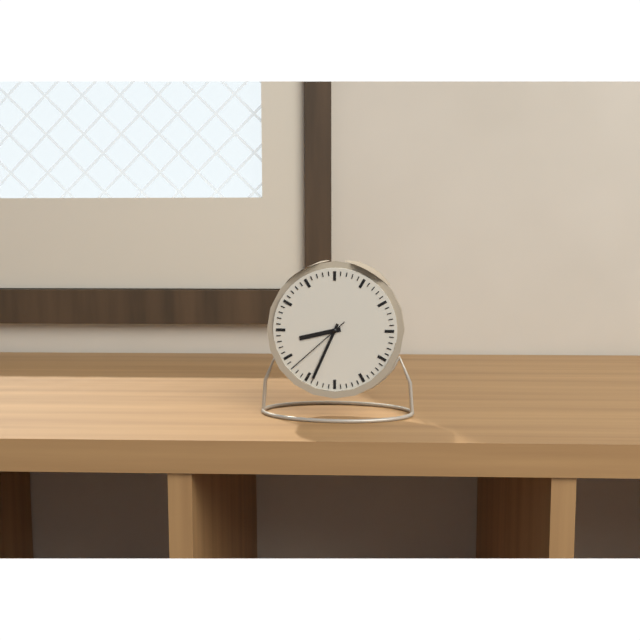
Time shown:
{"hour": 8, "minute": 34, "second": 38}
